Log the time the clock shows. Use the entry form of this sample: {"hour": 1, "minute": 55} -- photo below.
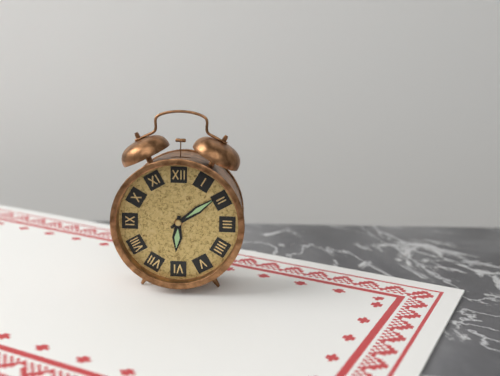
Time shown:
{"hour": 6, "minute": 9}
